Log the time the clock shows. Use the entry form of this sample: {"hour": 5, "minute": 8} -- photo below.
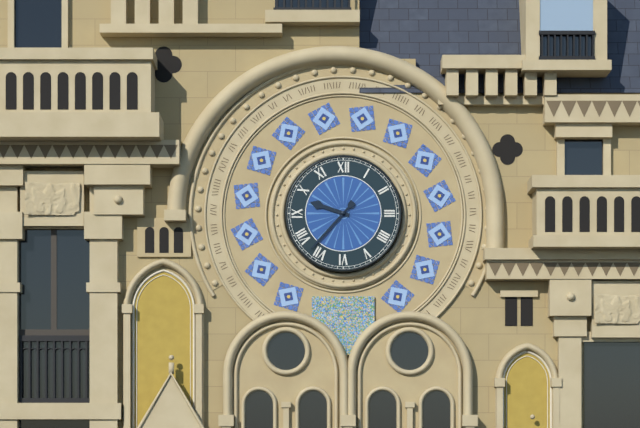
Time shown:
{"hour": 9, "minute": 37}
